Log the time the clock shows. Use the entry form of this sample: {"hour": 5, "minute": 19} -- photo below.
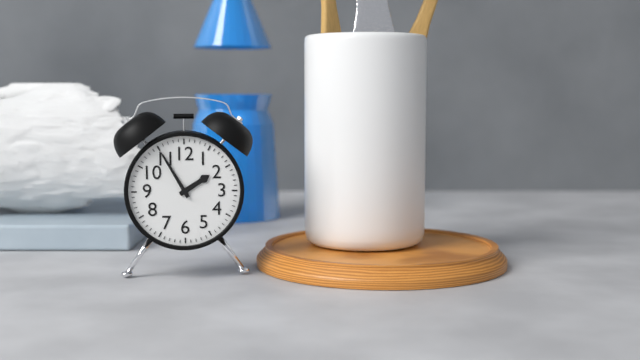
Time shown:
{"hour": 1, "minute": 55}
